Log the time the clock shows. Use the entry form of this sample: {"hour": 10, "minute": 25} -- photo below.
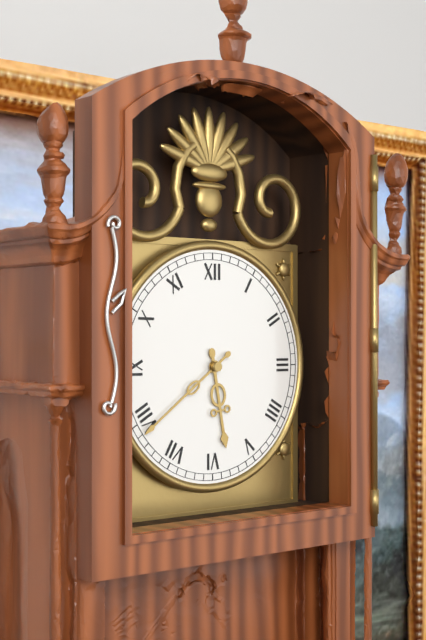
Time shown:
{"hour": 5, "minute": 39}
